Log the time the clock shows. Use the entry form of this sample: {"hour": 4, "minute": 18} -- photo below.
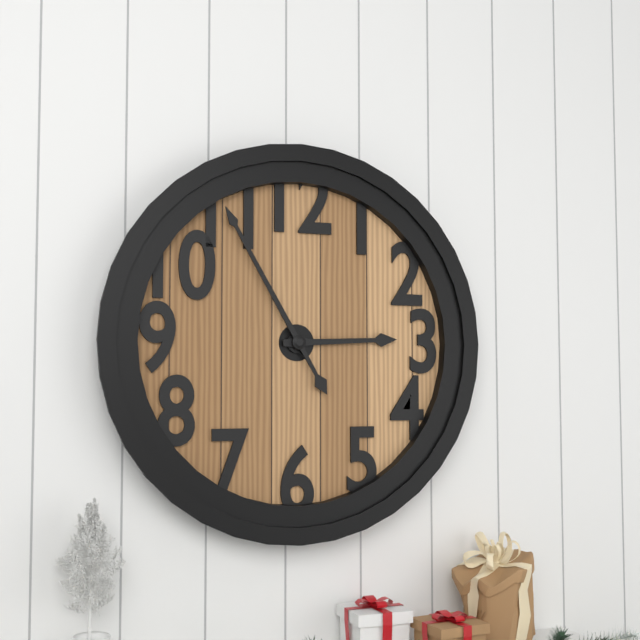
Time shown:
{"hour": 2, "minute": 55}
